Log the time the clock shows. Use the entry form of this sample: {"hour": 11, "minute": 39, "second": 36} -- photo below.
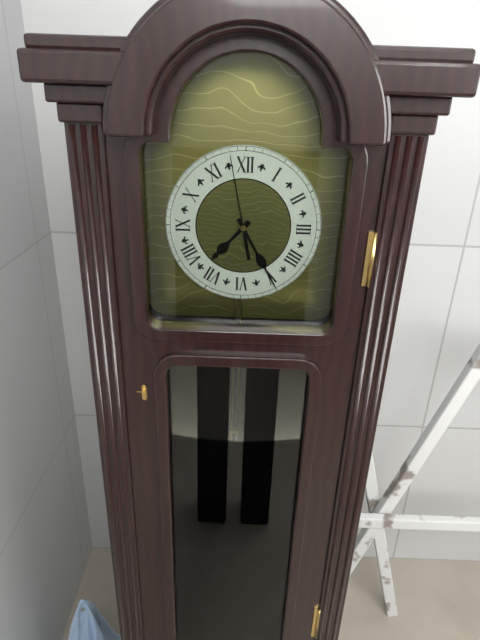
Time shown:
{"hour": 7, "minute": 25, "second": 58}
